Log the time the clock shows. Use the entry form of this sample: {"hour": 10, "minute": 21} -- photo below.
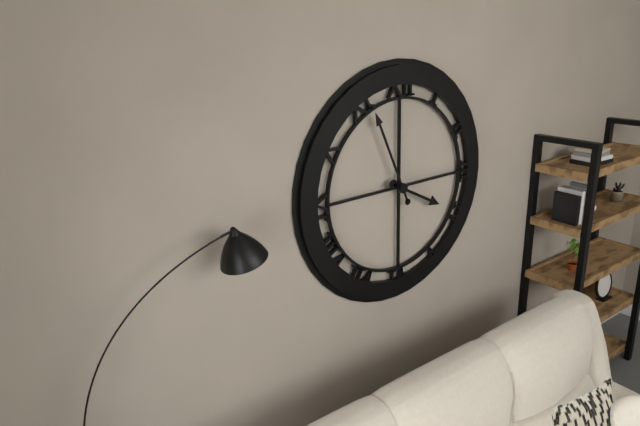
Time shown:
{"hour": 3, "minute": 56}
